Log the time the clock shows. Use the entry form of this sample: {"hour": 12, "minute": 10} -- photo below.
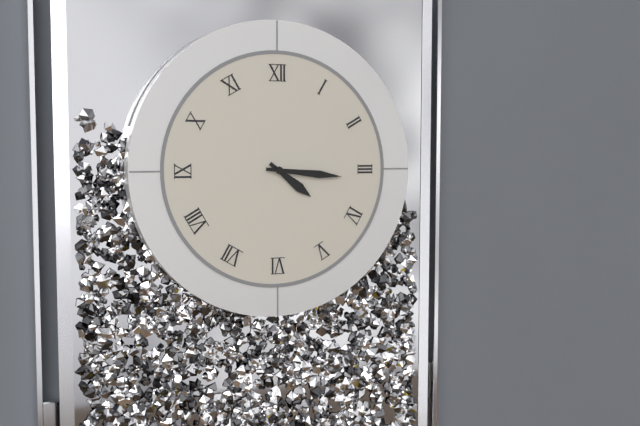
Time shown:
{"hour": 4, "minute": 16}
